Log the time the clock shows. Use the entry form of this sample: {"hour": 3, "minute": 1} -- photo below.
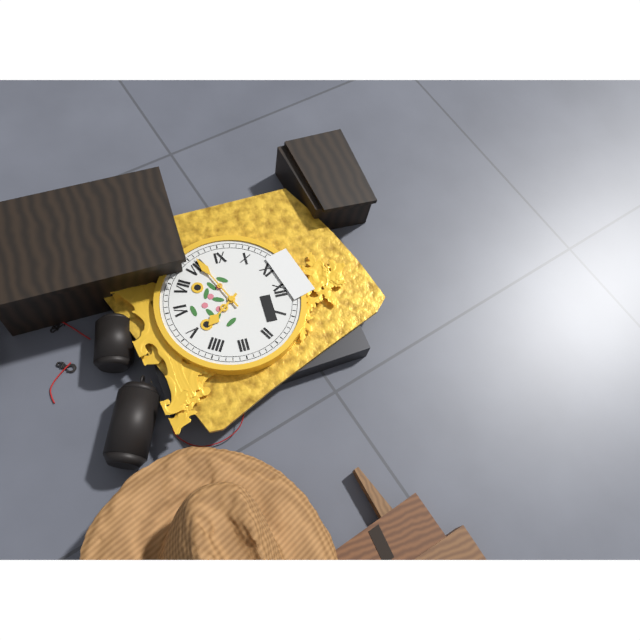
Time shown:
{"hour": 4, "minute": 41}
